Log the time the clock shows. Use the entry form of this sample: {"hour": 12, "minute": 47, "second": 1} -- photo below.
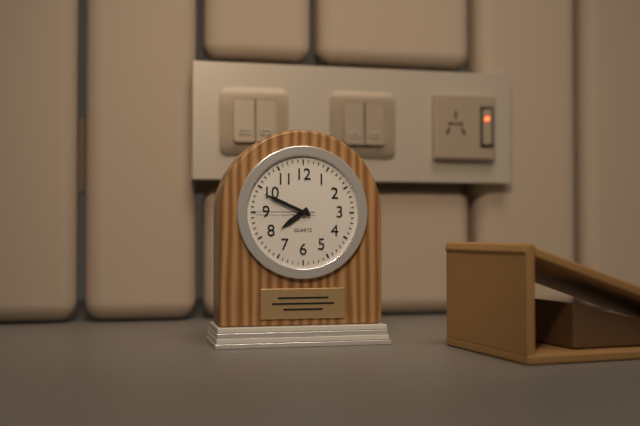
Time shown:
{"hour": 7, "minute": 49, "second": 45}
